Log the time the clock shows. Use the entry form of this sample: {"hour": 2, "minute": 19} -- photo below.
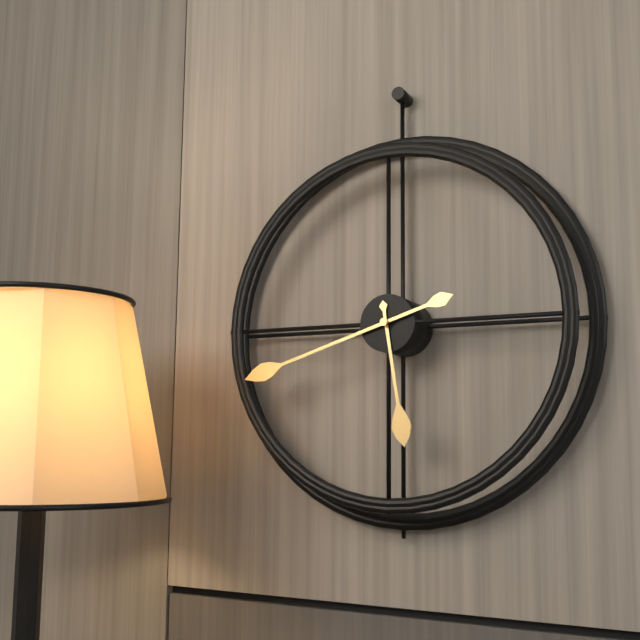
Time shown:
{"hour": 5, "minute": 42}
